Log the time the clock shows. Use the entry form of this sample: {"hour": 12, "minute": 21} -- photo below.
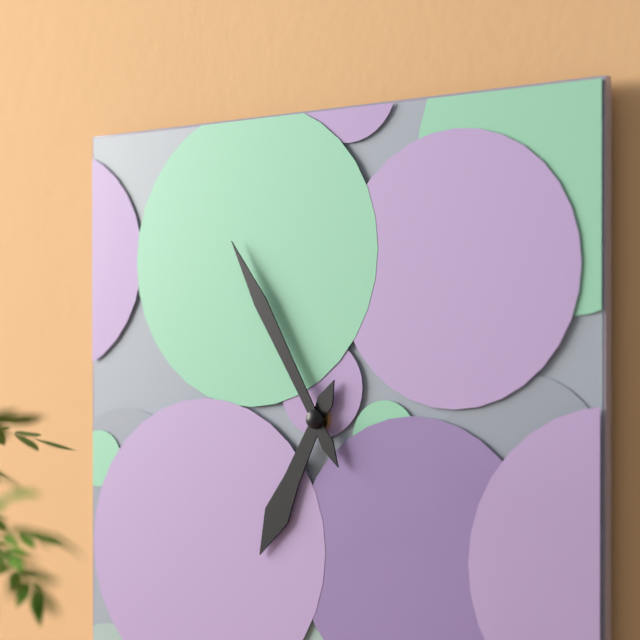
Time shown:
{"hour": 6, "minute": 55}
